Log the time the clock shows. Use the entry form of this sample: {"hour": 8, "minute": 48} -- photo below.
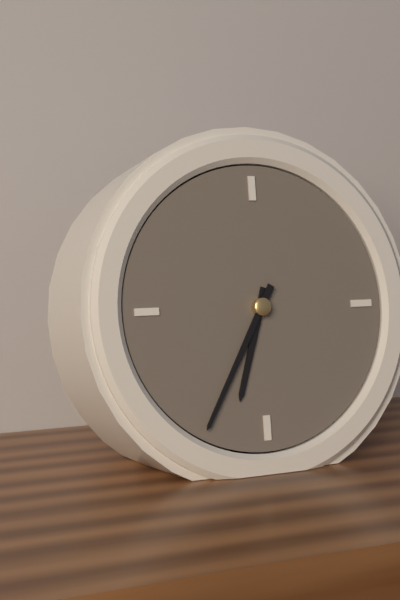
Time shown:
{"hour": 6, "minute": 35}
